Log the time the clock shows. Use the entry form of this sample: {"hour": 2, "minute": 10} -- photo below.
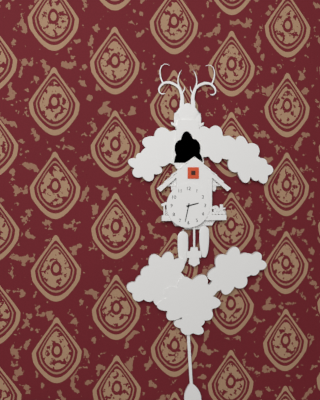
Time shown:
{"hour": 2, "minute": 32}
